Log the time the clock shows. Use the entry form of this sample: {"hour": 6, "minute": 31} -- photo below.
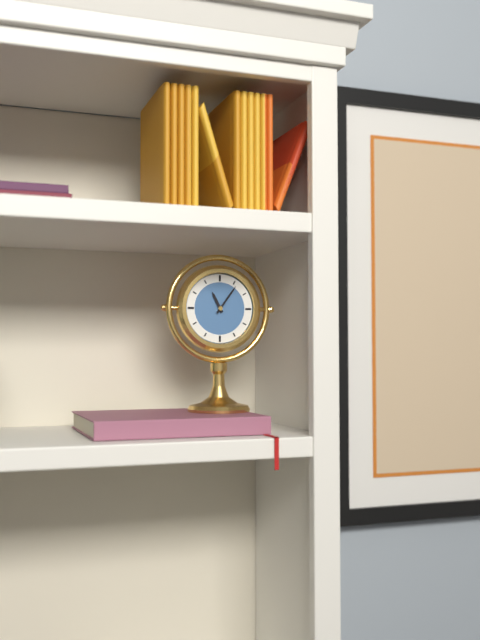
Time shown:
{"hour": 11, "minute": 6}
